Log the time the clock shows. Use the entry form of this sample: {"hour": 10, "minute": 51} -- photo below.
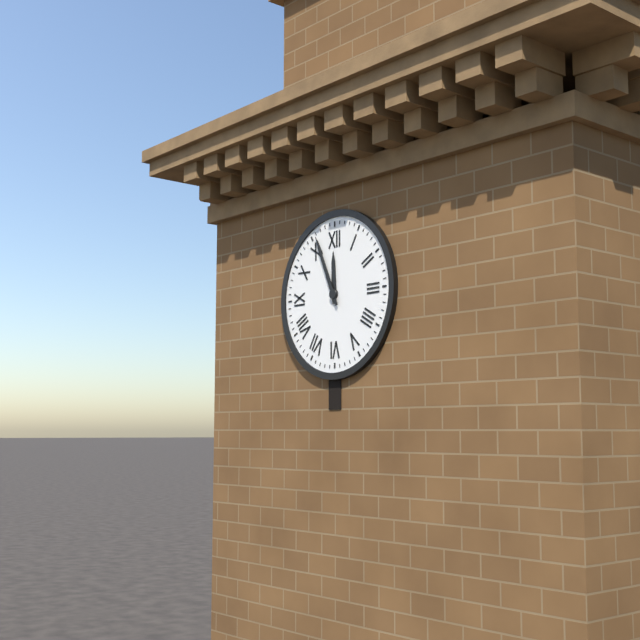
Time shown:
{"hour": 11, "minute": 56}
